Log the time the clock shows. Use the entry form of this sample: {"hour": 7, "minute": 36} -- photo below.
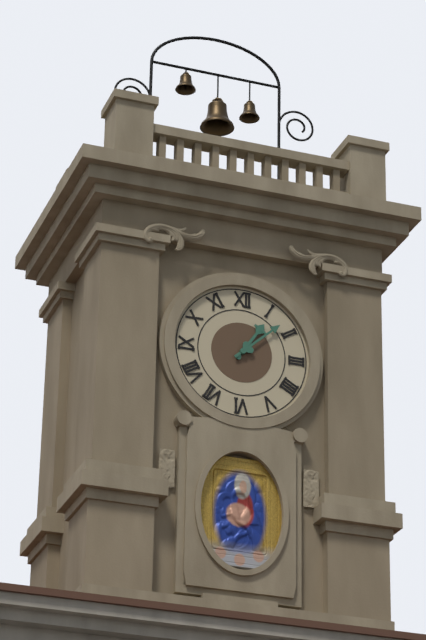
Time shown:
{"hour": 1, "minute": 8}
